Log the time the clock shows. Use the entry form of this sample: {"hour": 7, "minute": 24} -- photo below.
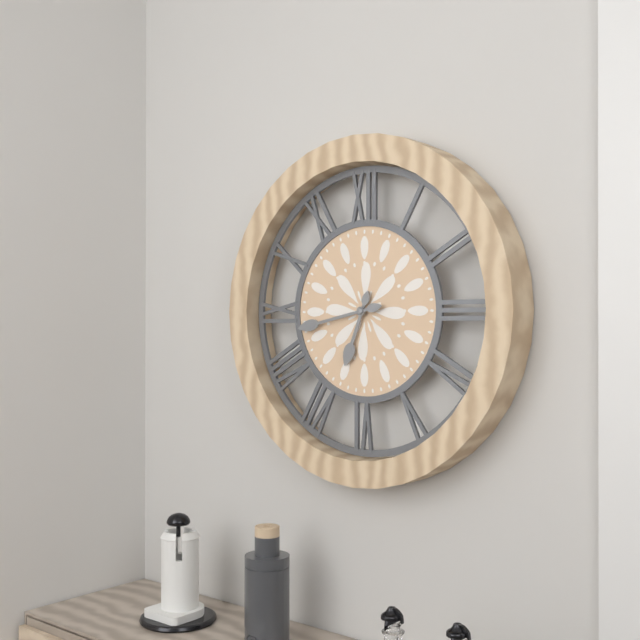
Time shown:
{"hour": 6, "minute": 43}
